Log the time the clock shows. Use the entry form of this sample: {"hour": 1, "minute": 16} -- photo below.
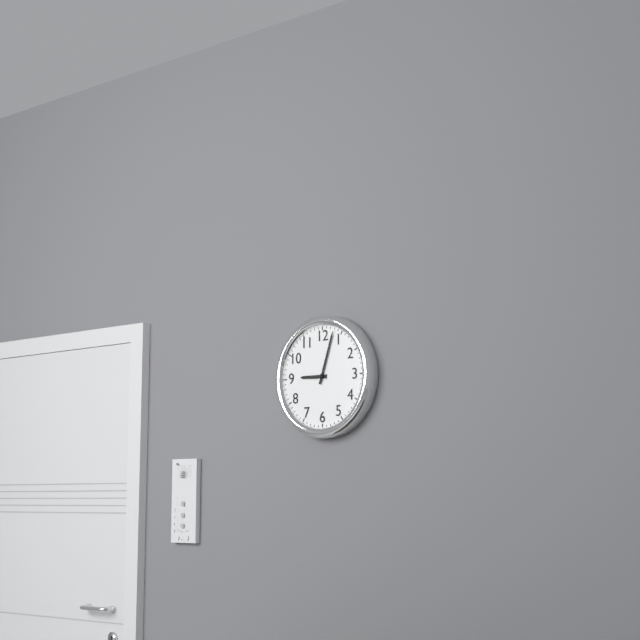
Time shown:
{"hour": 9, "minute": 3}
